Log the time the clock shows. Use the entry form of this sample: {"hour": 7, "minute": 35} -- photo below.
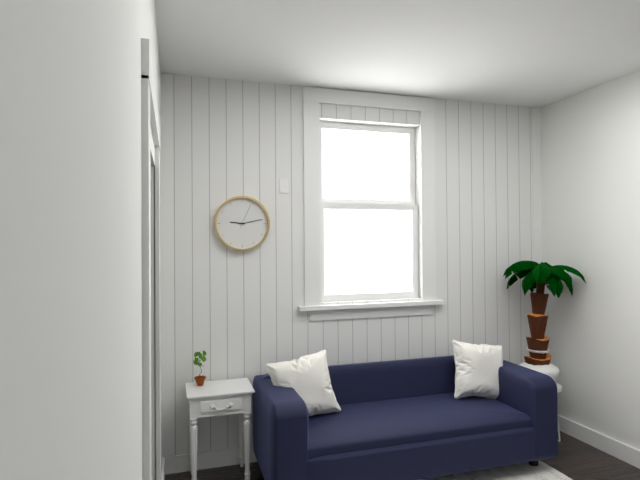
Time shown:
{"hour": 9, "minute": 13}
